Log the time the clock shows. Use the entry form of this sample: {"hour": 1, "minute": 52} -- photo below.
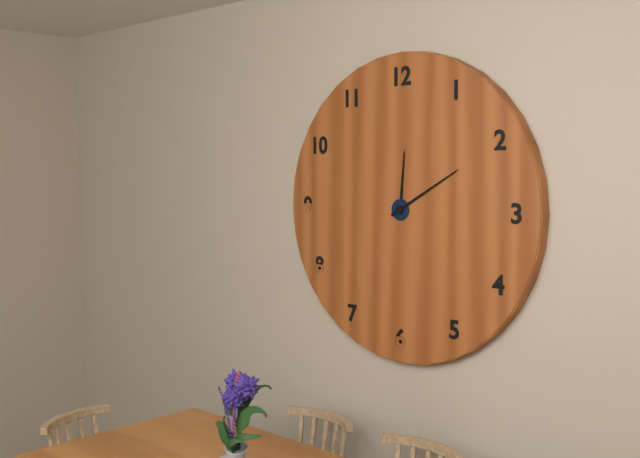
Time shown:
{"hour": 12, "minute": 10}
